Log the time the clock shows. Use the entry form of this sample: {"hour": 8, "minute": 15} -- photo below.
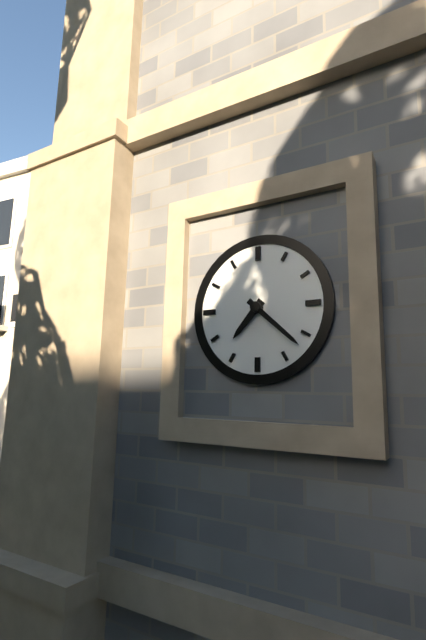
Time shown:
{"hour": 7, "minute": 22}
